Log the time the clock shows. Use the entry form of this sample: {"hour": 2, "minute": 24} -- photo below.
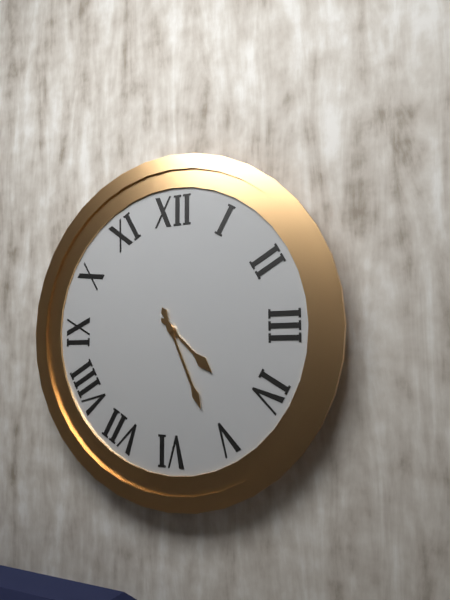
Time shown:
{"hour": 4, "minute": 26}
